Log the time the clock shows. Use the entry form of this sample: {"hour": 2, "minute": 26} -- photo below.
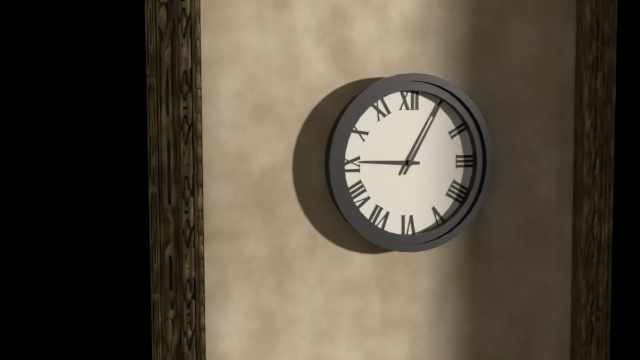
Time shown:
{"hour": 9, "minute": 5}
